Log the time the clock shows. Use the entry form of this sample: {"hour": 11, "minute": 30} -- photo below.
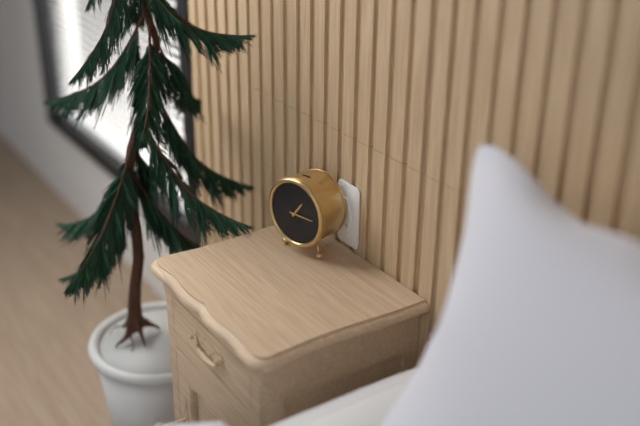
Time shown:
{"hour": 1, "minute": 15}
